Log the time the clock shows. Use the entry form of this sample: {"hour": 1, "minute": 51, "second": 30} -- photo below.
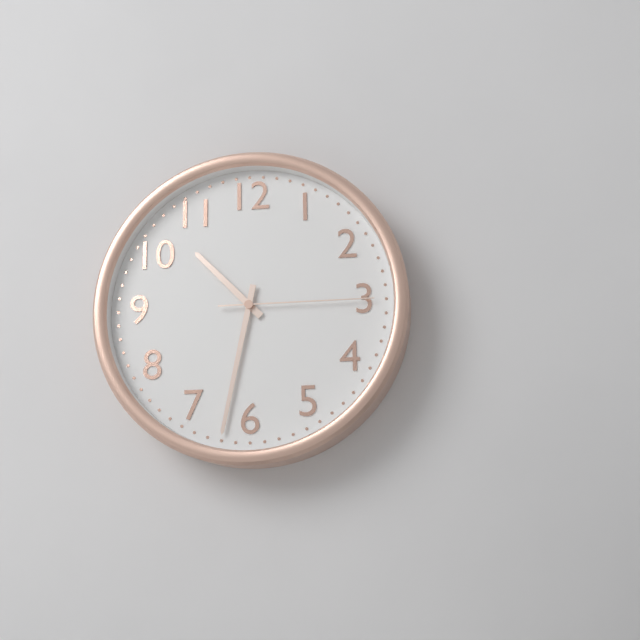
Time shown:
{"hour": 10, "minute": 32, "second": 15}
